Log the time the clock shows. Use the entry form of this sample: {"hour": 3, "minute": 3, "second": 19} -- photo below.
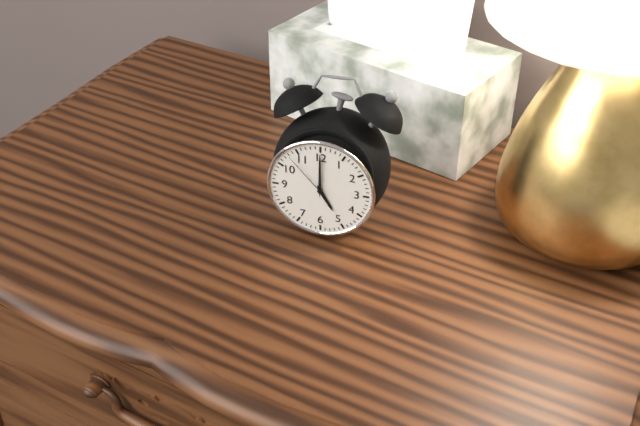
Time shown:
{"hour": 5, "minute": 0, "second": 53}
